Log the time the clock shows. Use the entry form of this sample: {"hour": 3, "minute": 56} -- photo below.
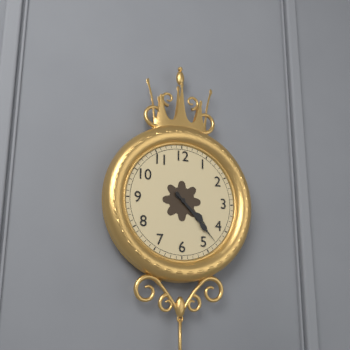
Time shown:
{"hour": 4, "minute": 23}
